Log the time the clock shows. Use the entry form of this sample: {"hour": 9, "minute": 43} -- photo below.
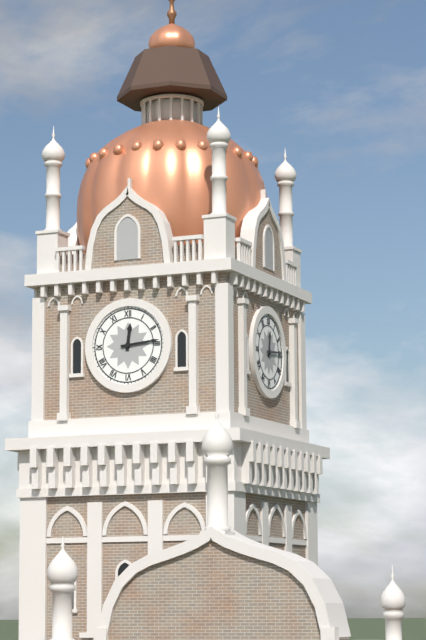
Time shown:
{"hour": 12, "minute": 14}
